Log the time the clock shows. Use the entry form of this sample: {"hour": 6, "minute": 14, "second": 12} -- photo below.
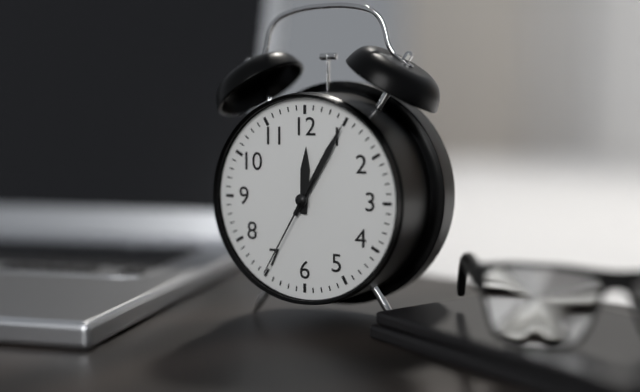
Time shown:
{"hour": 12, "minute": 5, "second": 35}
